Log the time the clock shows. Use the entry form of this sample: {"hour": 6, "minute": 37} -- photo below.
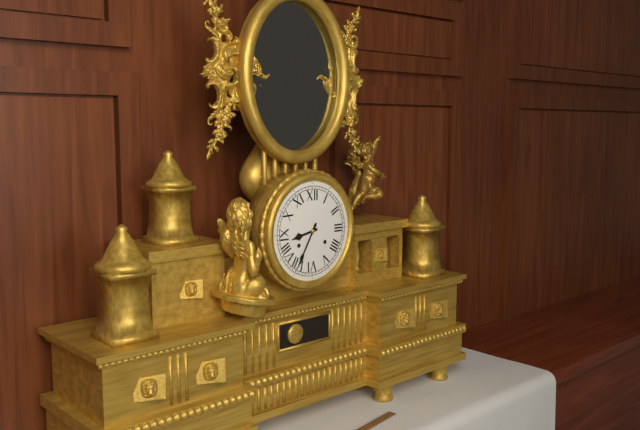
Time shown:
{"hour": 8, "minute": 35}
